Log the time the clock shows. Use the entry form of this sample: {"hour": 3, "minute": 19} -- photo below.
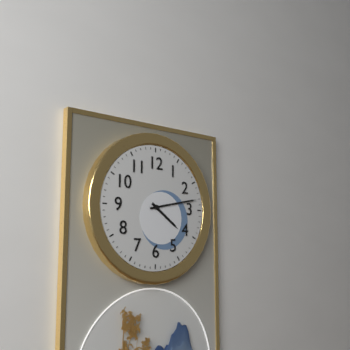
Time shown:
{"hour": 4, "minute": 13}
